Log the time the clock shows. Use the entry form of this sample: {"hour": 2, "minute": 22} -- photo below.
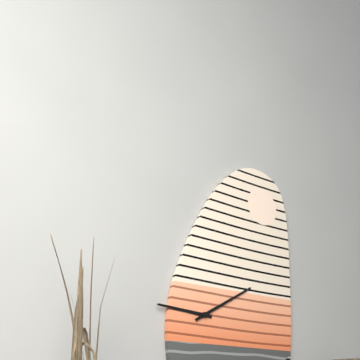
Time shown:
{"hour": 9, "minute": 10}
